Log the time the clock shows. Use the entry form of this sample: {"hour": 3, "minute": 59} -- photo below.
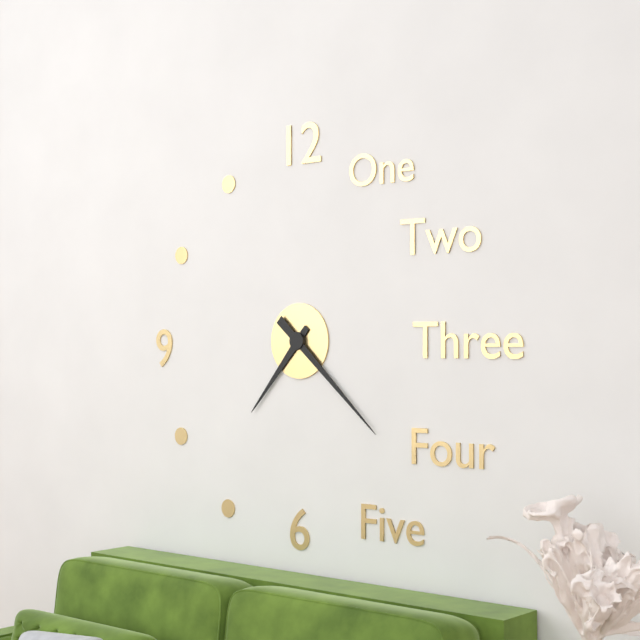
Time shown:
{"hour": 7, "minute": 22}
